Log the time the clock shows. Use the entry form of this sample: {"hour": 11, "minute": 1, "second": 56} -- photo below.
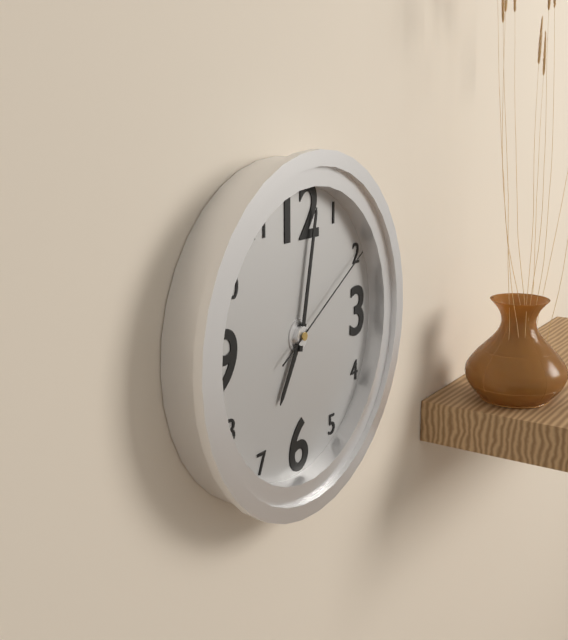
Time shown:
{"hour": 7, "minute": 2, "second": 10}
